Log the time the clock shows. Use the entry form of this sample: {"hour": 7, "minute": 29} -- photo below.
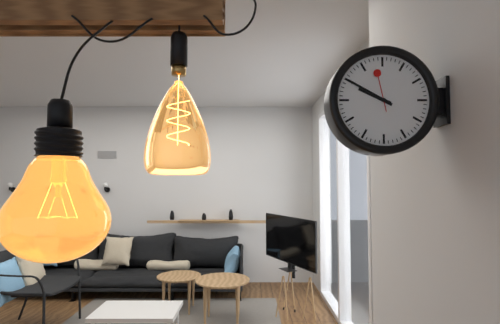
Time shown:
{"hour": 9, "minute": 50}
